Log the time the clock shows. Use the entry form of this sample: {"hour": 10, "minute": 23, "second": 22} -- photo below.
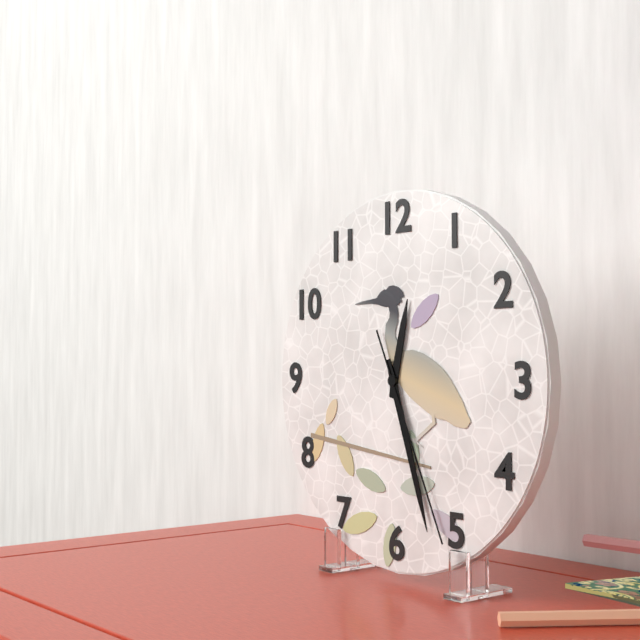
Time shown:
{"hour": 12, "minute": 27, "second": 26}
